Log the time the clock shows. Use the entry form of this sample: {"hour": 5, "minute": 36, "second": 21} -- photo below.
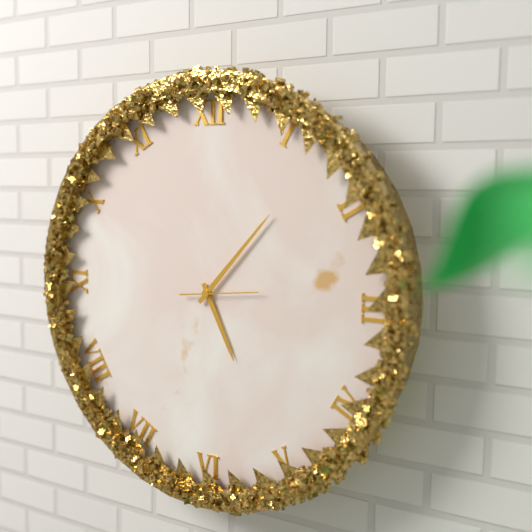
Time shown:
{"hour": 5, "minute": 7, "second": 14}
